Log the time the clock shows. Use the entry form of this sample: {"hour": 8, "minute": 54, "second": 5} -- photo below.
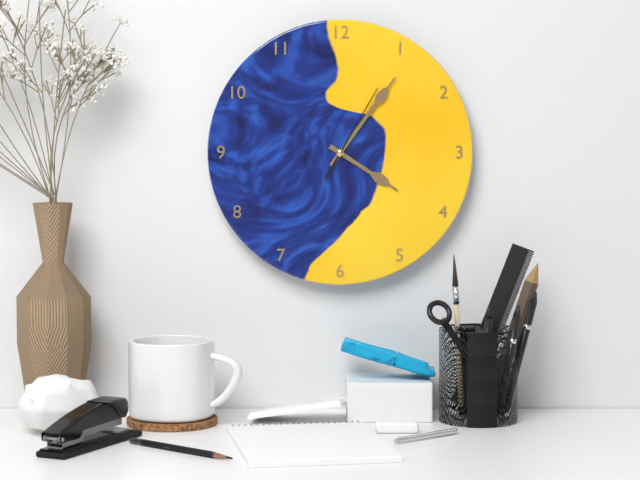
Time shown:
{"hour": 4, "minute": 6, "second": 5}
